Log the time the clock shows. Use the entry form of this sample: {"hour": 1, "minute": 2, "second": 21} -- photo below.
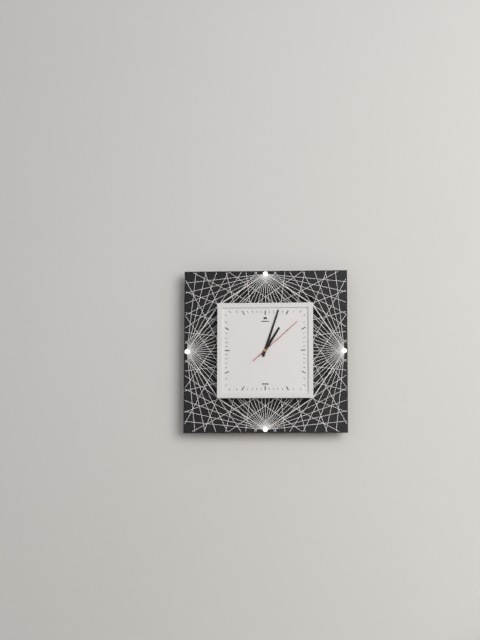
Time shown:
{"hour": 1, "minute": 3, "second": 8}
